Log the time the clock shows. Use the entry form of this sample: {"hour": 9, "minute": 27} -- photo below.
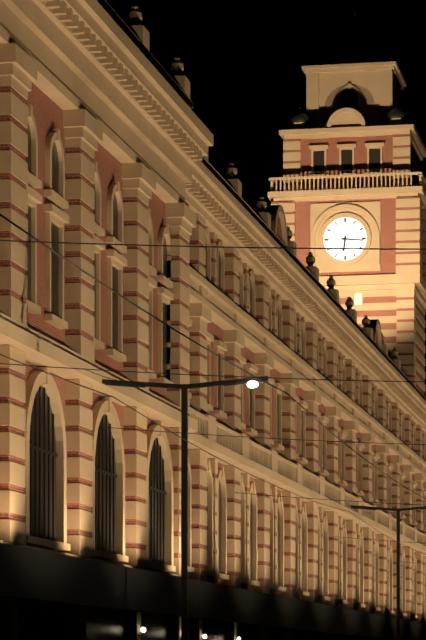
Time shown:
{"hour": 6, "minute": 16}
